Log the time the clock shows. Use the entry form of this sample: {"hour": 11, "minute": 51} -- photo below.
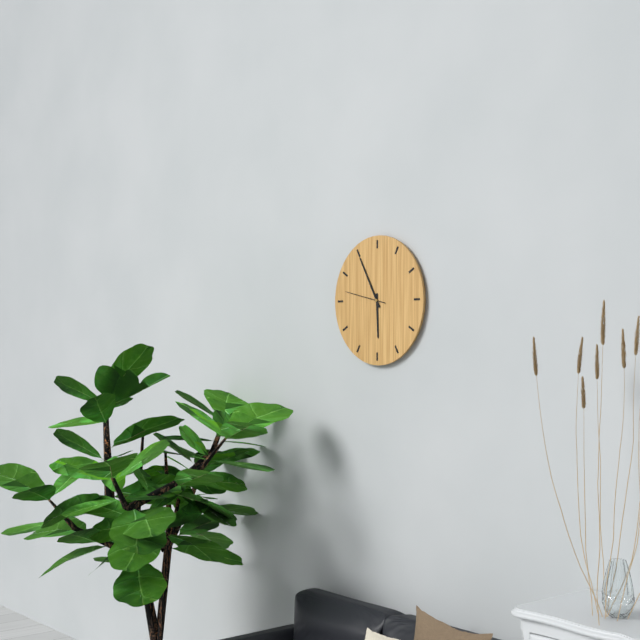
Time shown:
{"hour": 5, "minute": 55}
